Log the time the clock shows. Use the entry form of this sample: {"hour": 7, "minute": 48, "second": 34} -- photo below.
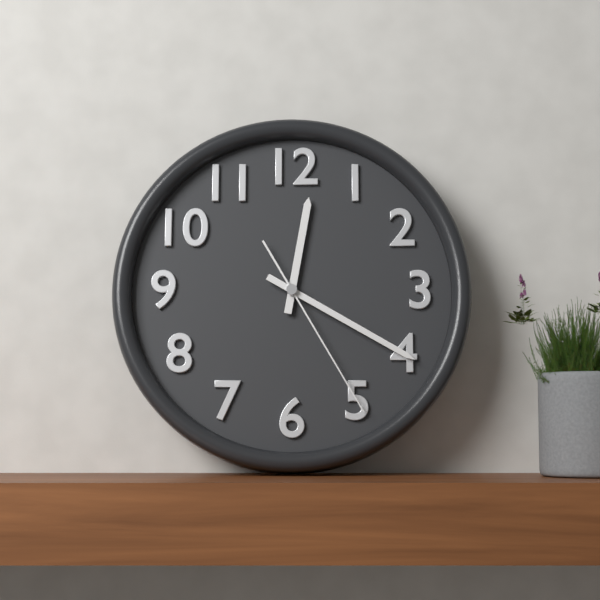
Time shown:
{"hour": 12, "minute": 20, "second": 25}
